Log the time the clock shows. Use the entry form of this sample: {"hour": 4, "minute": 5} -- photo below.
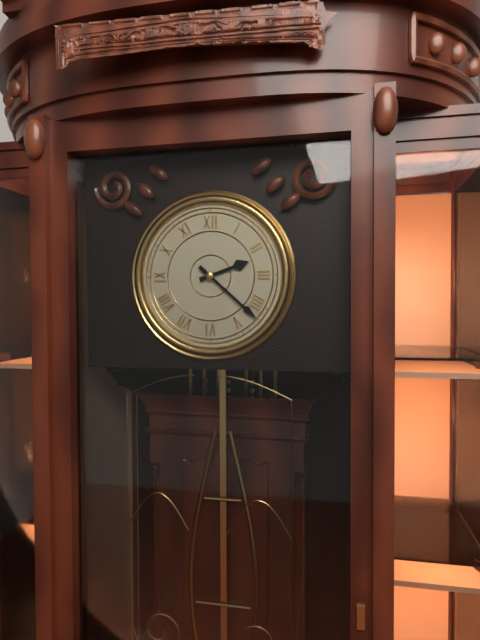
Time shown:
{"hour": 2, "minute": 22}
